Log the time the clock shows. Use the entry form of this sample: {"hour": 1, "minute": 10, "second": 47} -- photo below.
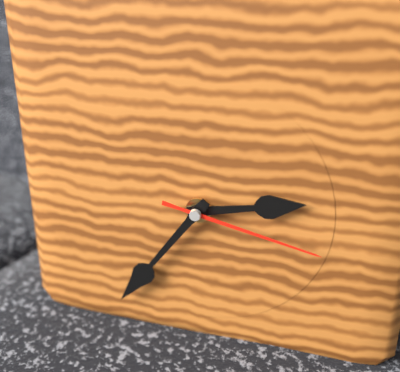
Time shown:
{"hour": 2, "minute": 36, "second": 17}
